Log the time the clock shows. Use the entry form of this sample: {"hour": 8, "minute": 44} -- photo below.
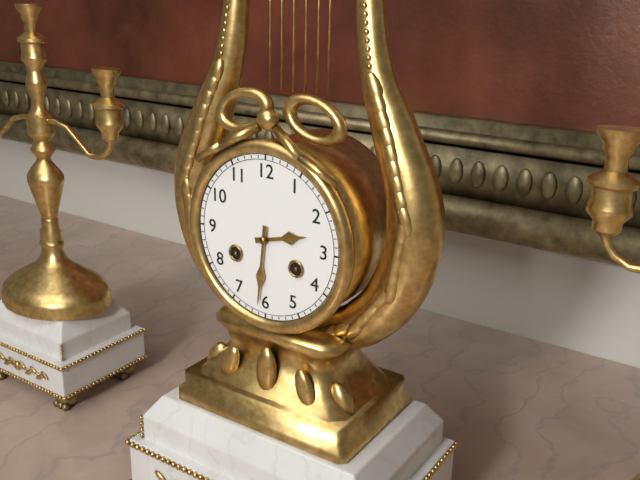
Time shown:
{"hour": 2, "minute": 31}
